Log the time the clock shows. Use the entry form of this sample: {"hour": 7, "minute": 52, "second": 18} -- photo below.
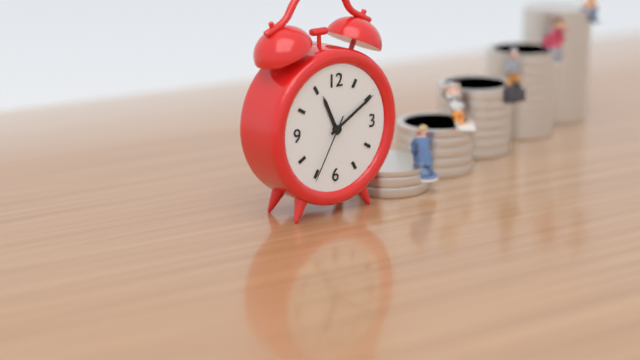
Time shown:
{"hour": 11, "minute": 10, "second": 35}
